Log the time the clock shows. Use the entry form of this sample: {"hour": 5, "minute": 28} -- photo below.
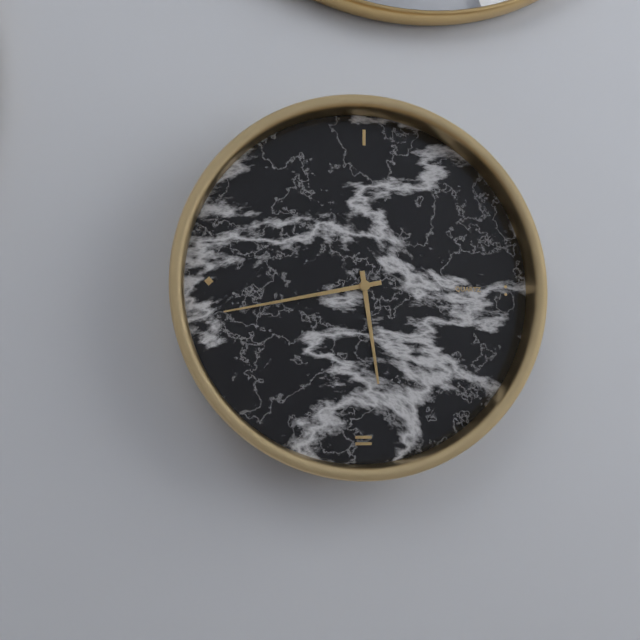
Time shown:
{"hour": 5, "minute": 43}
